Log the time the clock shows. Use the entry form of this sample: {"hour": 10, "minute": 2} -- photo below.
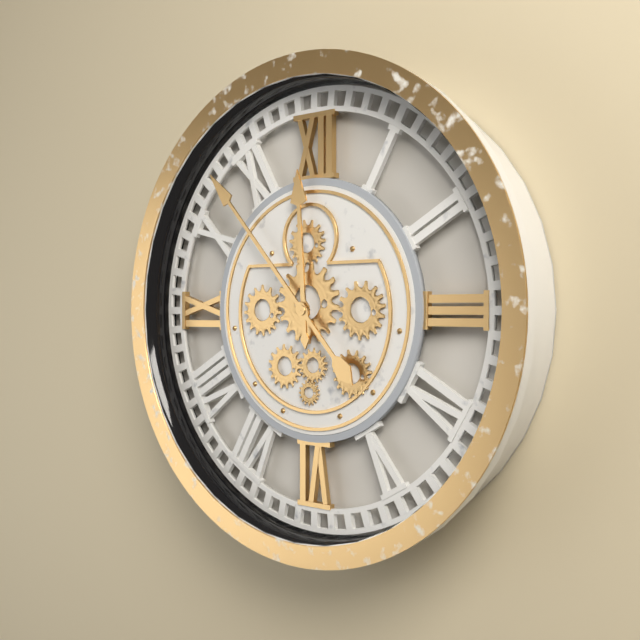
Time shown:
{"hour": 11, "minute": 53}
